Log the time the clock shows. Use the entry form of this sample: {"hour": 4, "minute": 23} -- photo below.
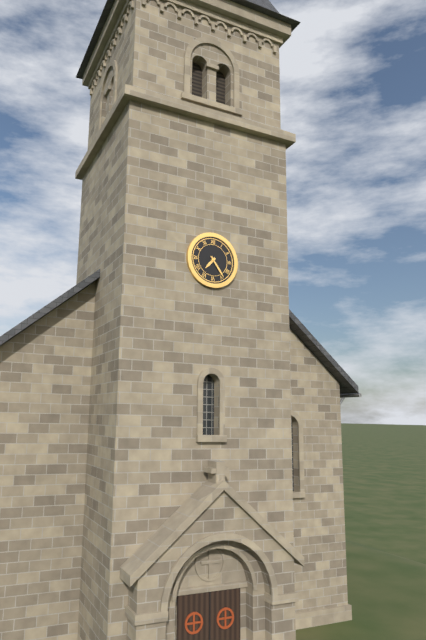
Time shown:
{"hour": 7, "minute": 24}
